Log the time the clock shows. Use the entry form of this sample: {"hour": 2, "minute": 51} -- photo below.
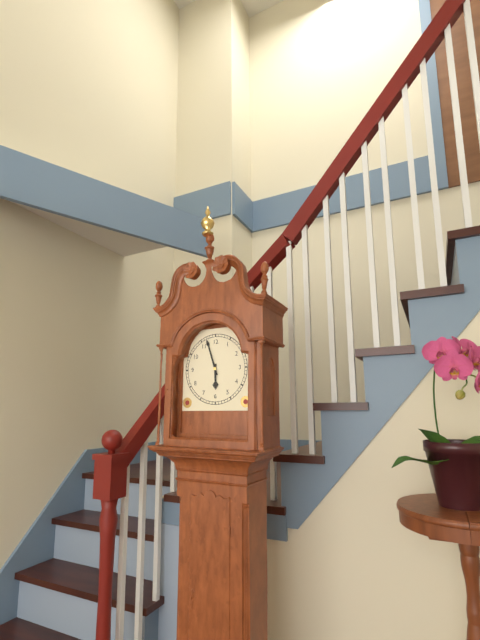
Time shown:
{"hour": 5, "minute": 57}
